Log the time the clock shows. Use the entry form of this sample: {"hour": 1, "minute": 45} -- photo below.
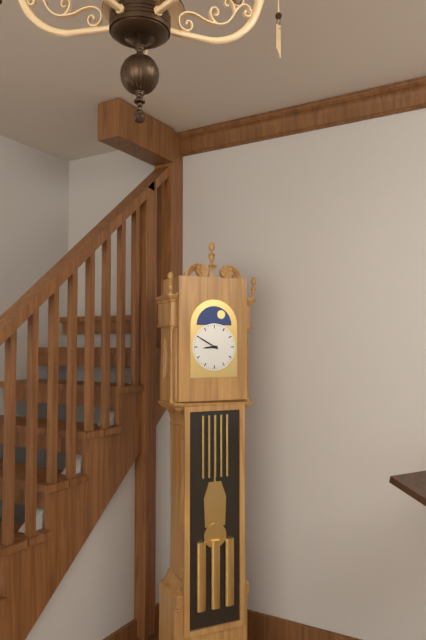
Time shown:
{"hour": 8, "minute": 50}
